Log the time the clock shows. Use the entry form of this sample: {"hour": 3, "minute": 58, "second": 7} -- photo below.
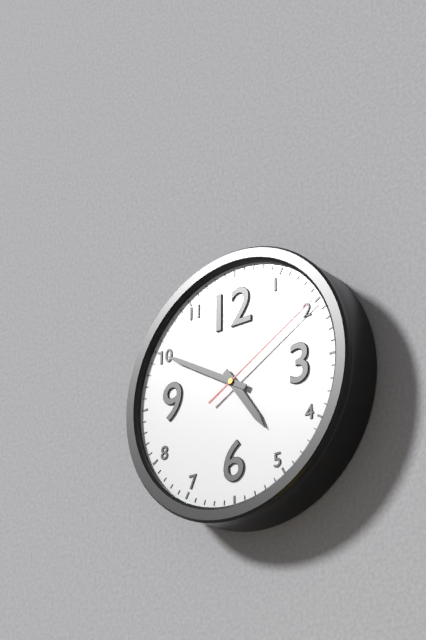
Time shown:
{"hour": 4, "minute": 50, "second": 10}
